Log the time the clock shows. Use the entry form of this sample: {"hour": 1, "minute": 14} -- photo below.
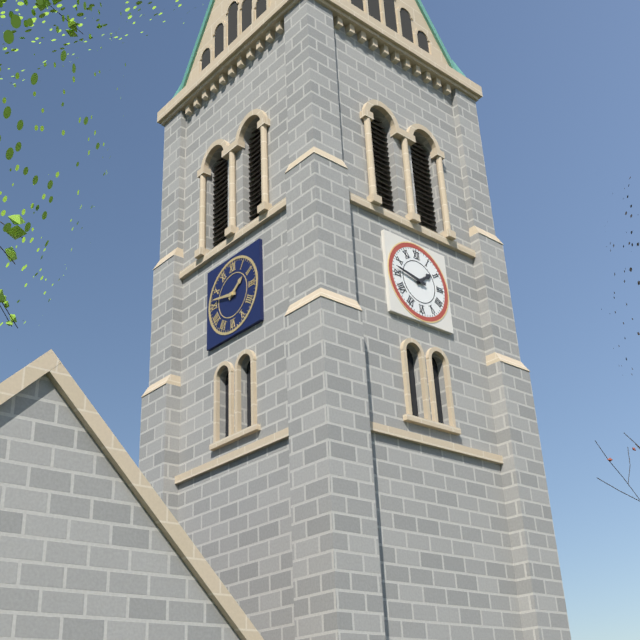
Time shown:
{"hour": 1, "minute": 47}
